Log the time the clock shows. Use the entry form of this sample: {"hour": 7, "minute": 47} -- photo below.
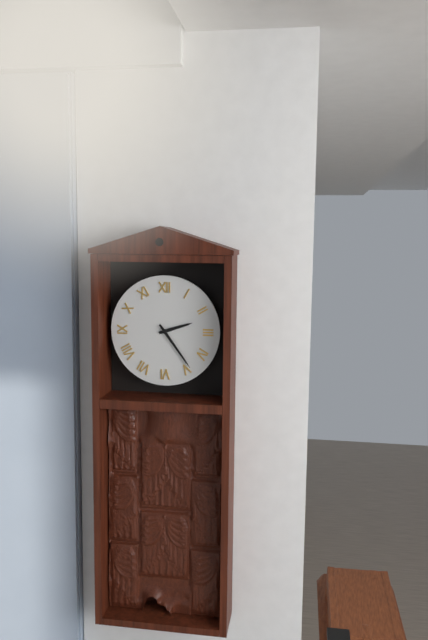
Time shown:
{"hour": 2, "minute": 24}
